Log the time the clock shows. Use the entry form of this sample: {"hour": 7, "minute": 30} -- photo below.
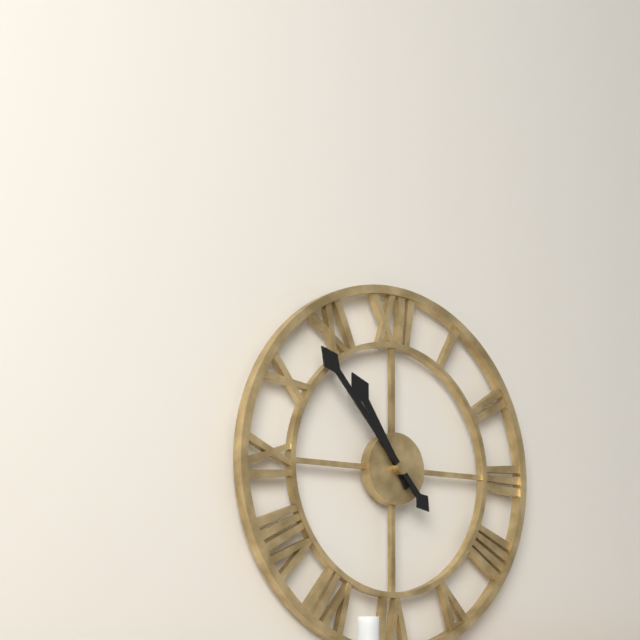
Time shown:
{"hour": 10, "minute": 53}
